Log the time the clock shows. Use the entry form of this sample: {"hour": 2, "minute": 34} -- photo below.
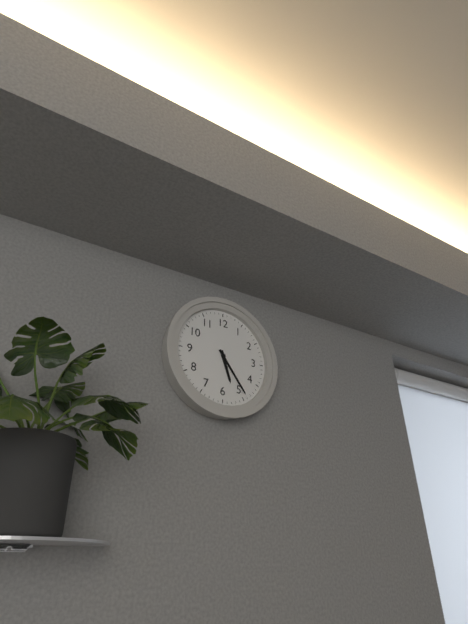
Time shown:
{"hour": 5, "minute": 24}
